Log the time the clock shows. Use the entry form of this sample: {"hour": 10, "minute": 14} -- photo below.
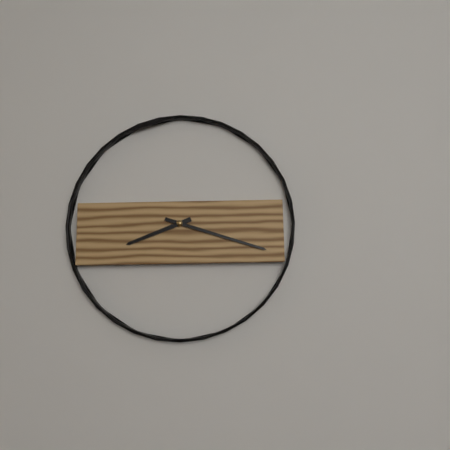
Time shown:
{"hour": 8, "minute": 18}
